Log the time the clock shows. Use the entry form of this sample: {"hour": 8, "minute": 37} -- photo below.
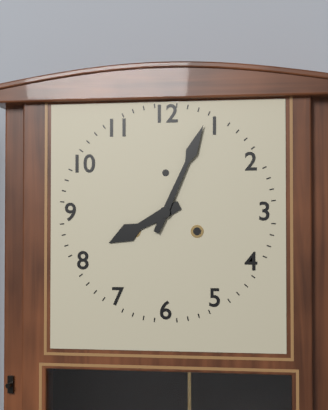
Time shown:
{"hour": 8, "minute": 4}
